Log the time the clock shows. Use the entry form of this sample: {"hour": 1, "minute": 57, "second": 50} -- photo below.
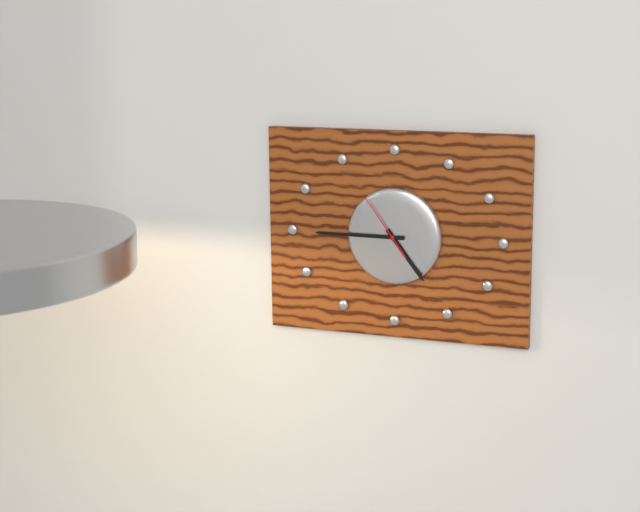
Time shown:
{"hour": 4, "minute": 45, "second": 54}
